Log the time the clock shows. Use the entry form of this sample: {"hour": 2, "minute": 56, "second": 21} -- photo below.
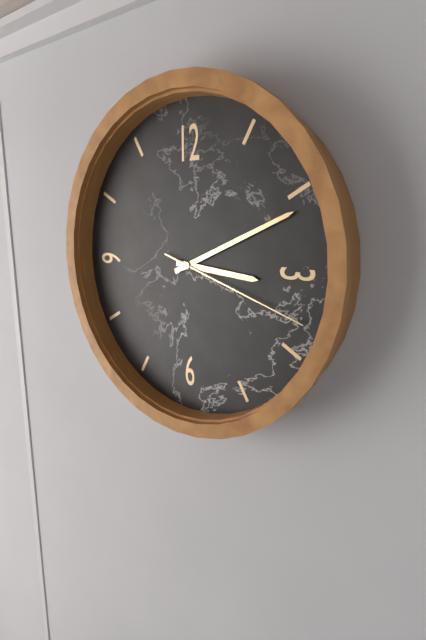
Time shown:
{"hour": 3, "minute": 11, "second": 18}
